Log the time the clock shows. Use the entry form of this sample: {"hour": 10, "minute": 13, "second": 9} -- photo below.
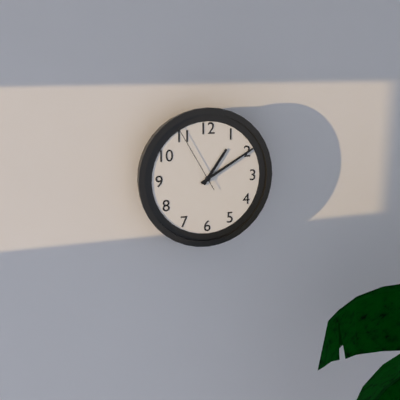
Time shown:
{"hour": 1, "minute": 10, "second": 55}
